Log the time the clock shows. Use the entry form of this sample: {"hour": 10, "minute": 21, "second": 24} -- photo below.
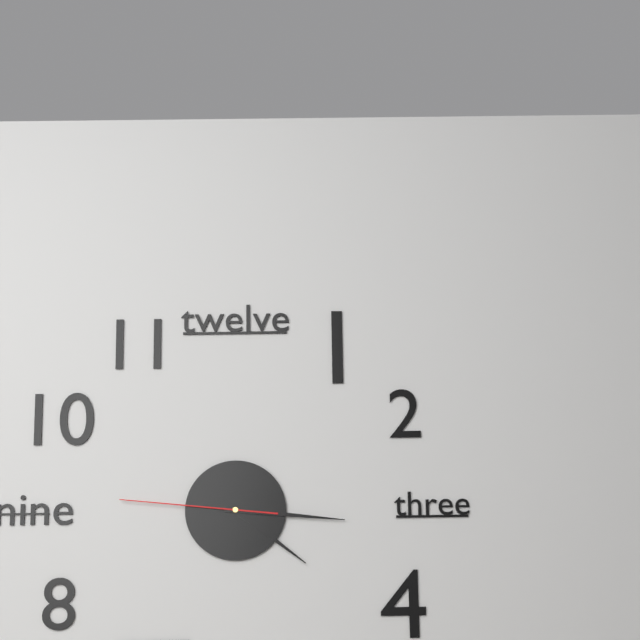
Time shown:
{"hour": 4, "minute": 16, "second": 46}
